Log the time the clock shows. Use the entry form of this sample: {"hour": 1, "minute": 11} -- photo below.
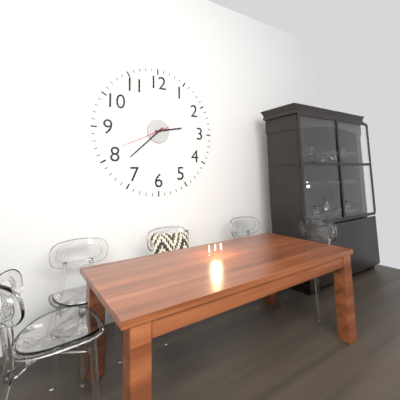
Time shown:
{"hour": 2, "minute": 38}
